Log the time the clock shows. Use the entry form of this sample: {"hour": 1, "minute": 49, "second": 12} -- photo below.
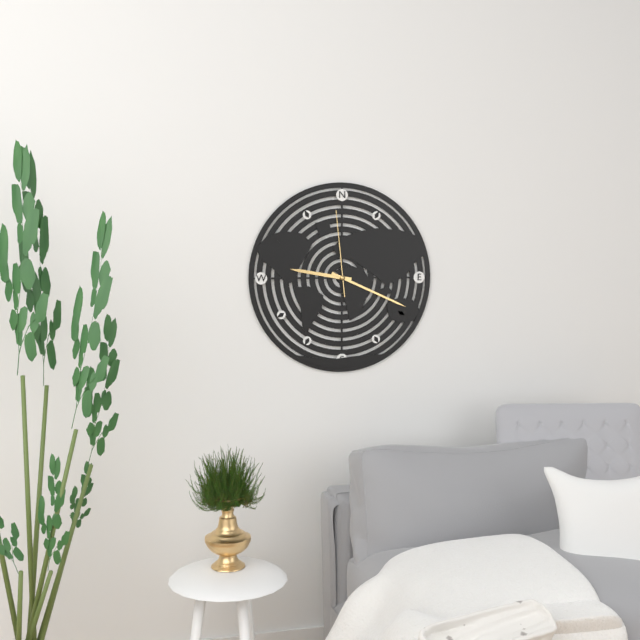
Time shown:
{"hour": 9, "minute": 19, "second": 59}
